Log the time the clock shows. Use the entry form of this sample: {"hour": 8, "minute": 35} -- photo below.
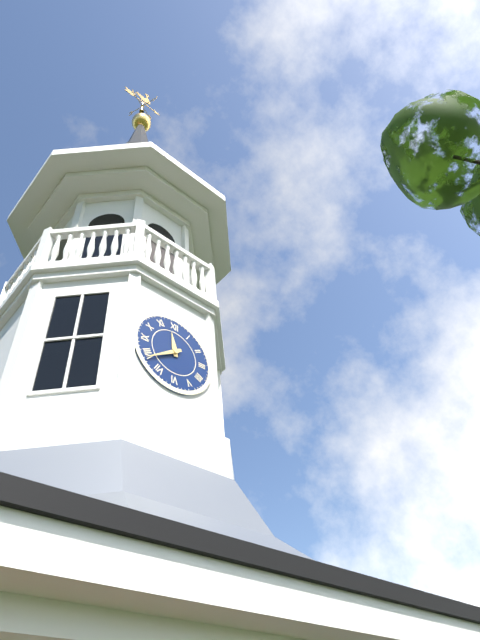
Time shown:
{"hour": 11, "minute": 39}
